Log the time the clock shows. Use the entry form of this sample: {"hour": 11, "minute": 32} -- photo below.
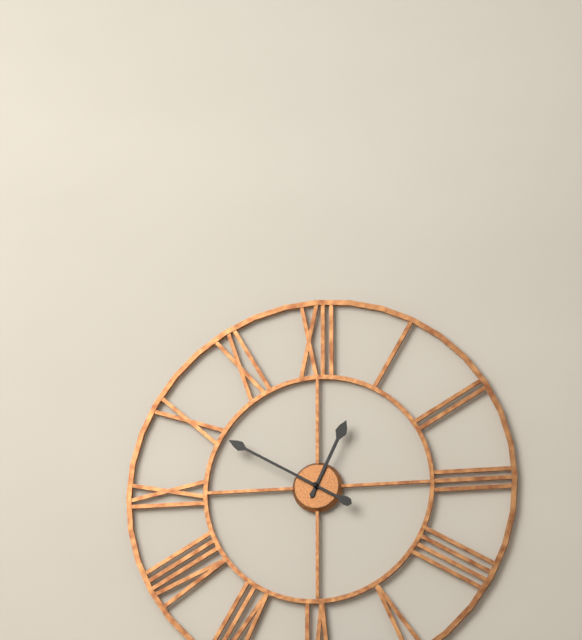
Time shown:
{"hour": 12, "minute": 50}
